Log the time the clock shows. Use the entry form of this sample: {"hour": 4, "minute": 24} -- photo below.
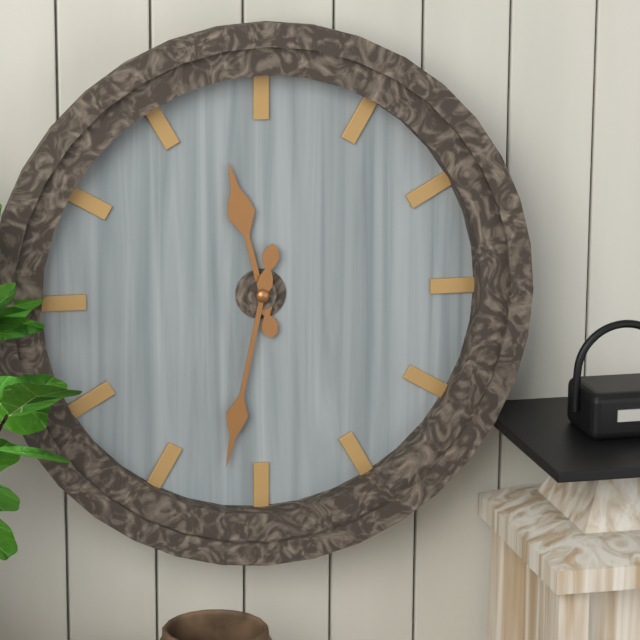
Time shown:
{"hour": 11, "minute": 32}
